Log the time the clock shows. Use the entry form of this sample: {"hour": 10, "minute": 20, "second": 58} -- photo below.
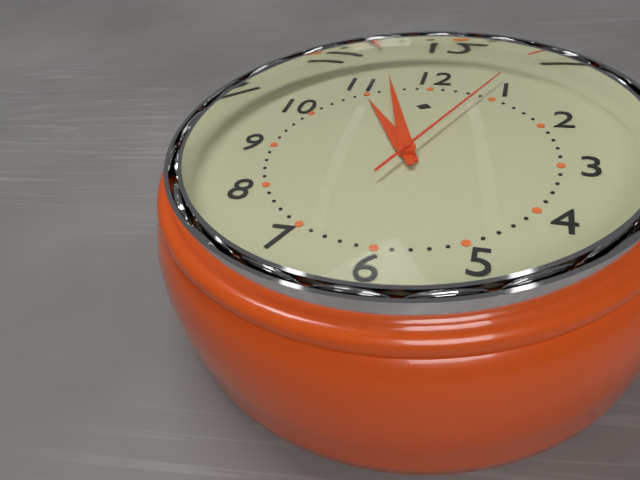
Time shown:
{"hour": 10, "minute": 57, "second": 4}
